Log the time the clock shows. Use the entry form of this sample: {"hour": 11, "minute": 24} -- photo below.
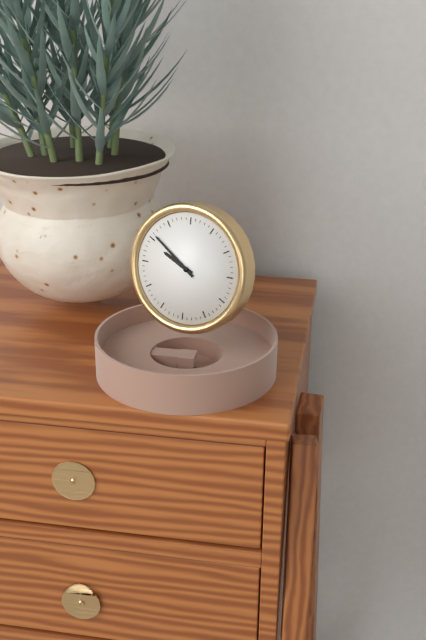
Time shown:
{"hour": 9, "minute": 51}
